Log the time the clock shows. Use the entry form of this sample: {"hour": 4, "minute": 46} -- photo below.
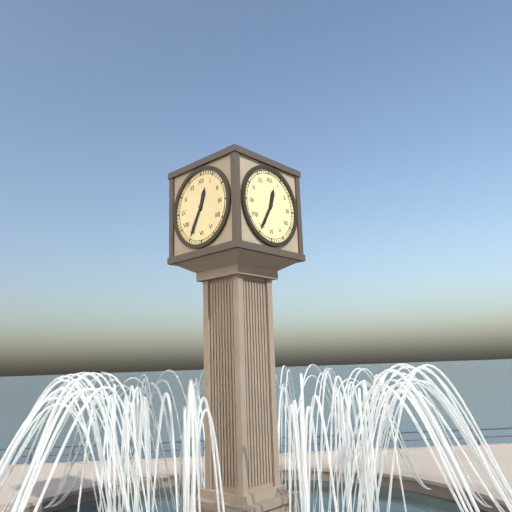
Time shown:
{"hour": 12, "minute": 35}
